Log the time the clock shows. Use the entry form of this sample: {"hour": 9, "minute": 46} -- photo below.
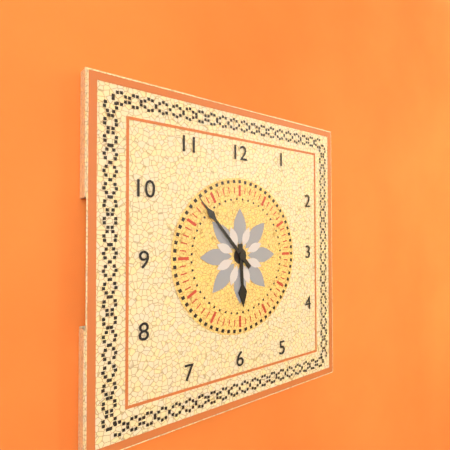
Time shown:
{"hour": 5, "minute": 53}
